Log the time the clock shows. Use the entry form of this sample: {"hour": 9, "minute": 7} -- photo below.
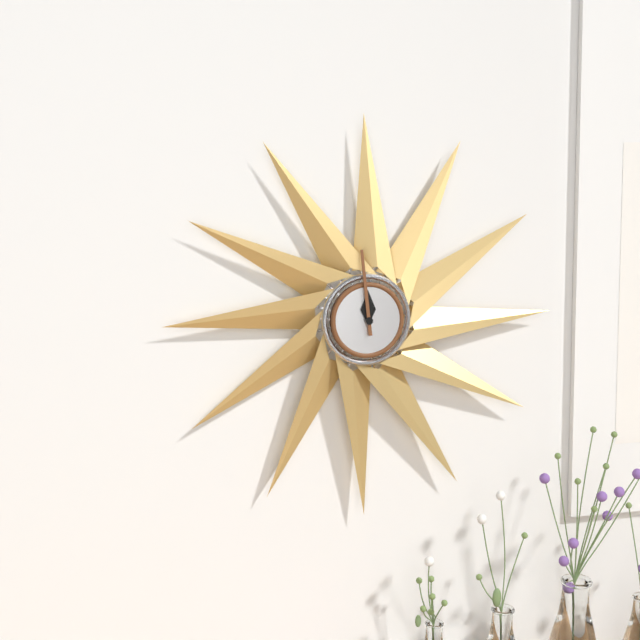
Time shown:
{"hour": 11, "minute": 59}
